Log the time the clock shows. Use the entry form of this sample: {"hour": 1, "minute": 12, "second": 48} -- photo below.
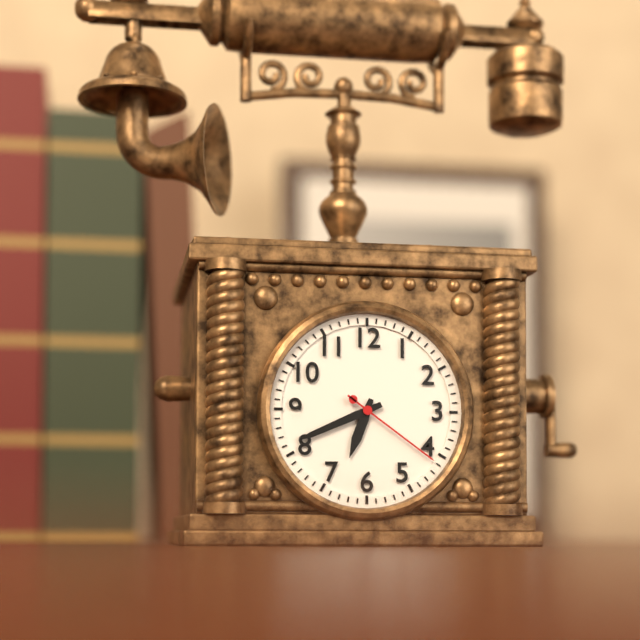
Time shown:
{"hour": 6, "minute": 41, "second": 21}
